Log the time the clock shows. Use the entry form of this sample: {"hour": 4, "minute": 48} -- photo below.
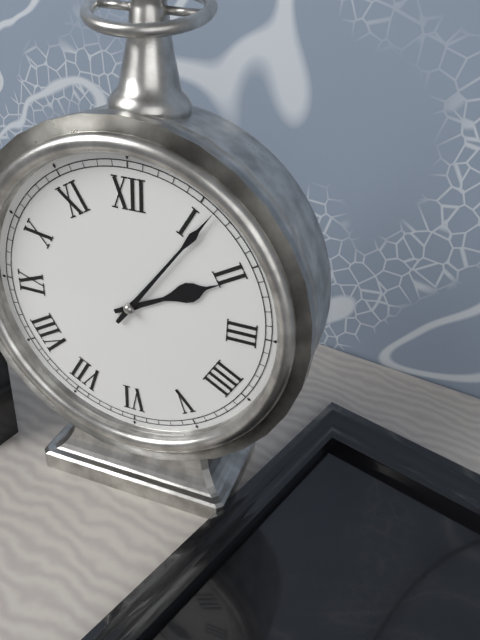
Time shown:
{"hour": 2, "minute": 6}
